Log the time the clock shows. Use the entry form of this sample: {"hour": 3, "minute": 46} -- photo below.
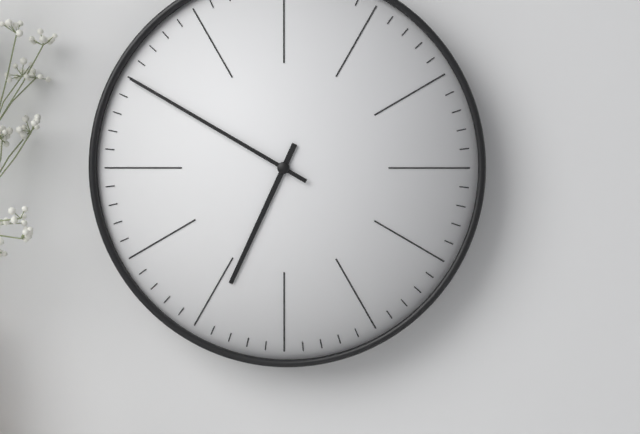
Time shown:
{"hour": 6, "minute": 50}
